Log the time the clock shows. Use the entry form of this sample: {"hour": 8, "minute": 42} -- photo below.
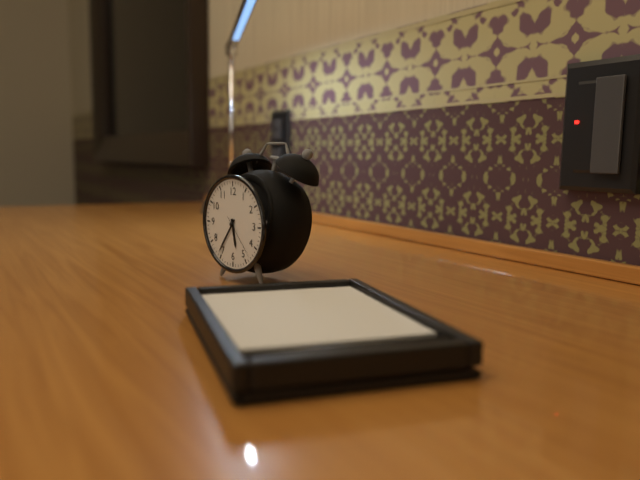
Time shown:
{"hour": 5, "minute": 36}
